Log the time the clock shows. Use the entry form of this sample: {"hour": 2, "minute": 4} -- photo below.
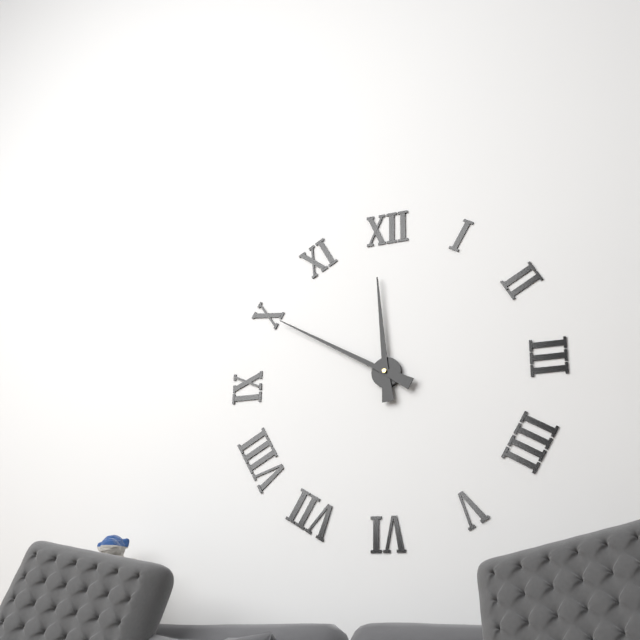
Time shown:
{"hour": 11, "minute": 50}
